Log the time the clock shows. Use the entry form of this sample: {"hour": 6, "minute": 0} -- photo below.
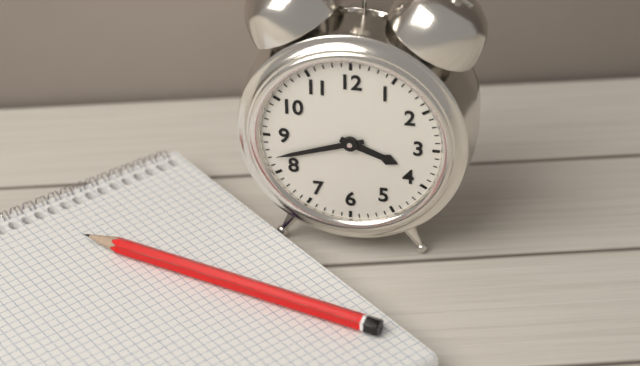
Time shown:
{"hour": 3, "minute": 42}
